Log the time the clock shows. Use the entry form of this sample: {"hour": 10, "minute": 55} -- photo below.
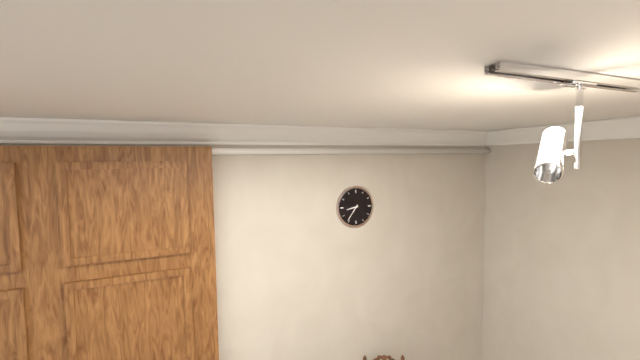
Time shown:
{"hour": 8, "minute": 36}
